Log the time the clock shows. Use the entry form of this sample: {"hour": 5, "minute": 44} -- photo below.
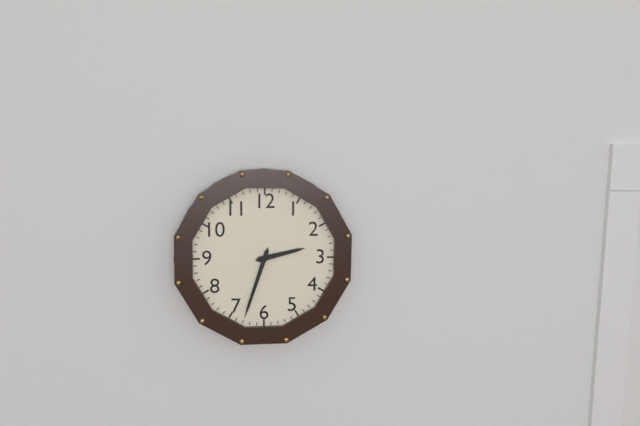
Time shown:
{"hour": 2, "minute": 33}
